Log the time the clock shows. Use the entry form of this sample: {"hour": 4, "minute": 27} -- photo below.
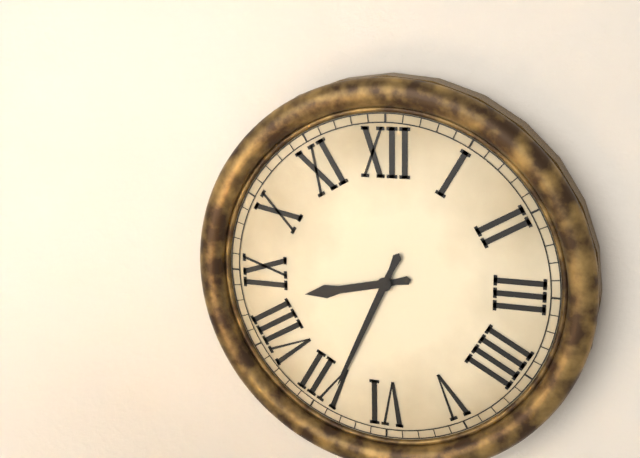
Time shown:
{"hour": 8, "minute": 34}
